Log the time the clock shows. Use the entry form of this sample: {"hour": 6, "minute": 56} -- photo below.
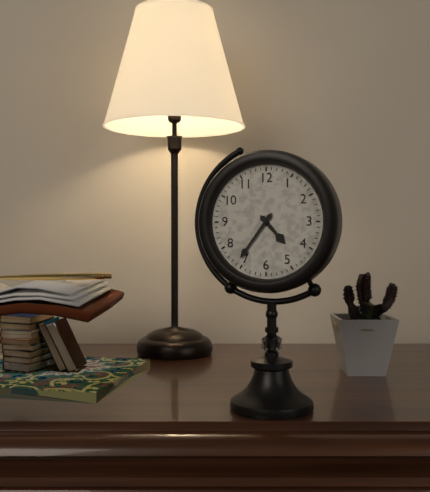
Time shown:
{"hour": 4, "minute": 36}
